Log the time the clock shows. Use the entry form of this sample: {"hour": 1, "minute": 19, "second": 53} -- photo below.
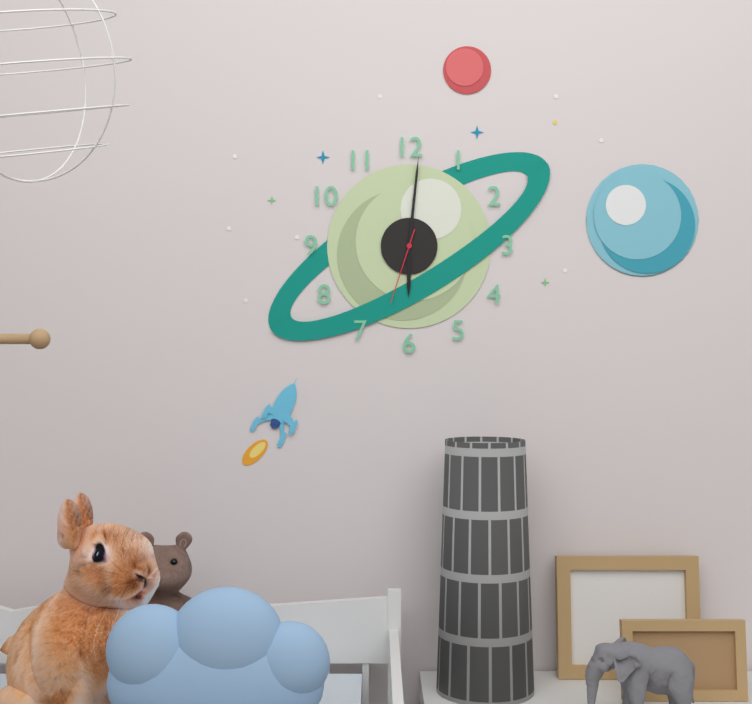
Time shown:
{"hour": 6, "minute": 1, "second": 33}
